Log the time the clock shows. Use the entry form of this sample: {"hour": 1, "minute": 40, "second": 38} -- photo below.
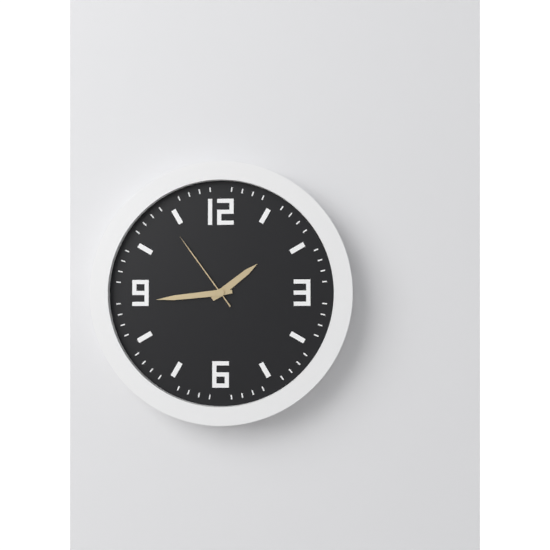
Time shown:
{"hour": 1, "minute": 44, "second": 54}
